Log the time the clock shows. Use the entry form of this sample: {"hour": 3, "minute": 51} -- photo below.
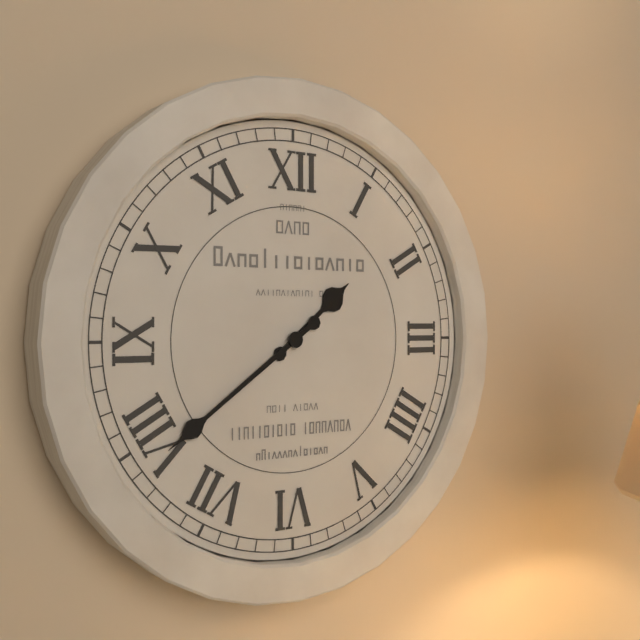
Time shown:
{"hour": 1, "minute": 39}
